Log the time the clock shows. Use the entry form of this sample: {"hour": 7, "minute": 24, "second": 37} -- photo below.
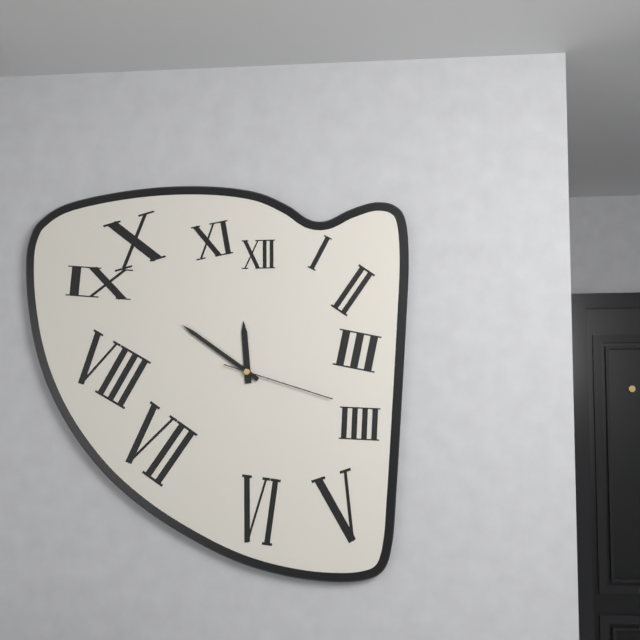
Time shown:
{"hour": 11, "minute": 51, "second": 18}
